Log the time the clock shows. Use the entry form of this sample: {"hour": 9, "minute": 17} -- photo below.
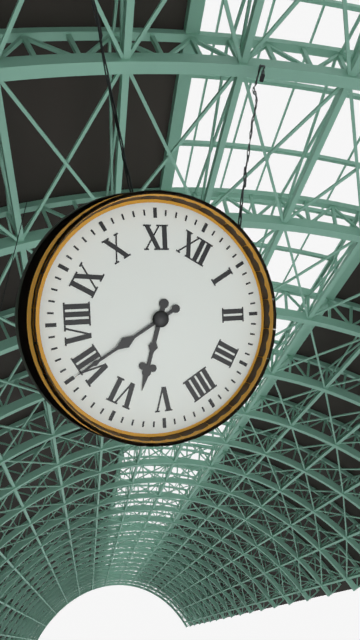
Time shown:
{"hour": 5, "minute": 35}
